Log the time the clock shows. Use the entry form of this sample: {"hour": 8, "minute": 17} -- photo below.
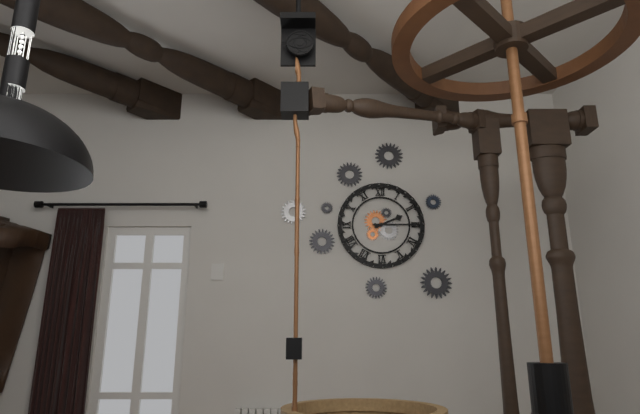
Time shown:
{"hour": 2, "minute": 15}
